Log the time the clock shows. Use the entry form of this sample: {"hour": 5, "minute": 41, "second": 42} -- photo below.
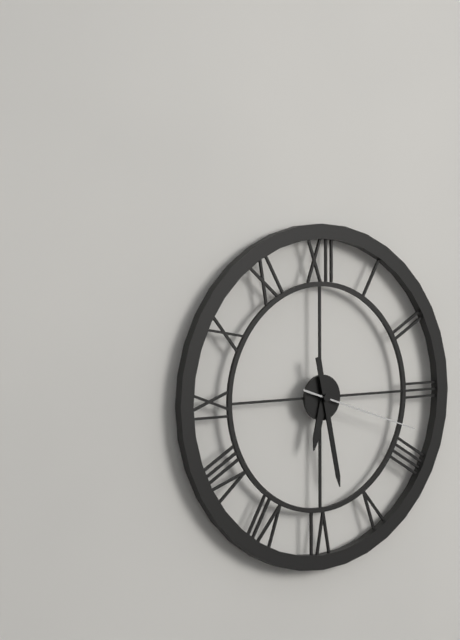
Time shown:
{"hour": 6, "minute": 28, "second": 18}
